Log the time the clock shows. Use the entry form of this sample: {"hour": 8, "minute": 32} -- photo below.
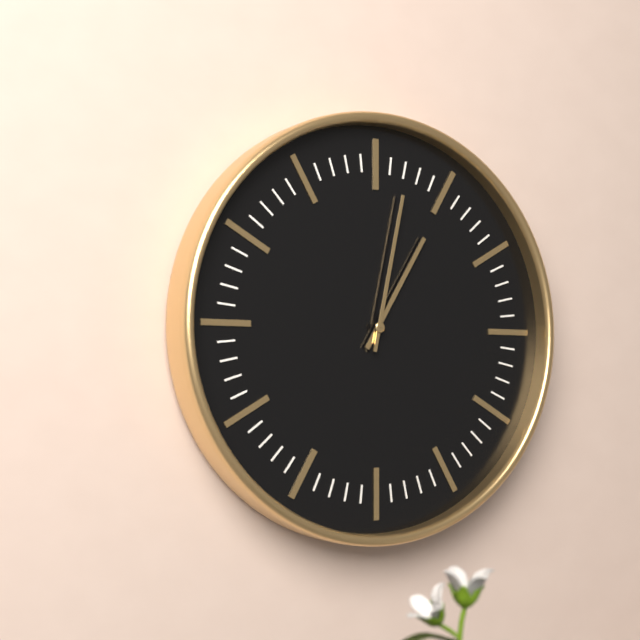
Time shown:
{"hour": 1, "minute": 2}
